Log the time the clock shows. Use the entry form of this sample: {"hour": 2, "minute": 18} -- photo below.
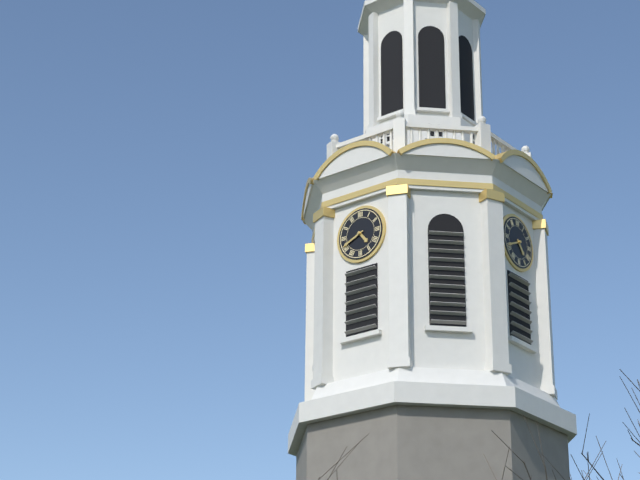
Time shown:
{"hour": 4, "minute": 41}
